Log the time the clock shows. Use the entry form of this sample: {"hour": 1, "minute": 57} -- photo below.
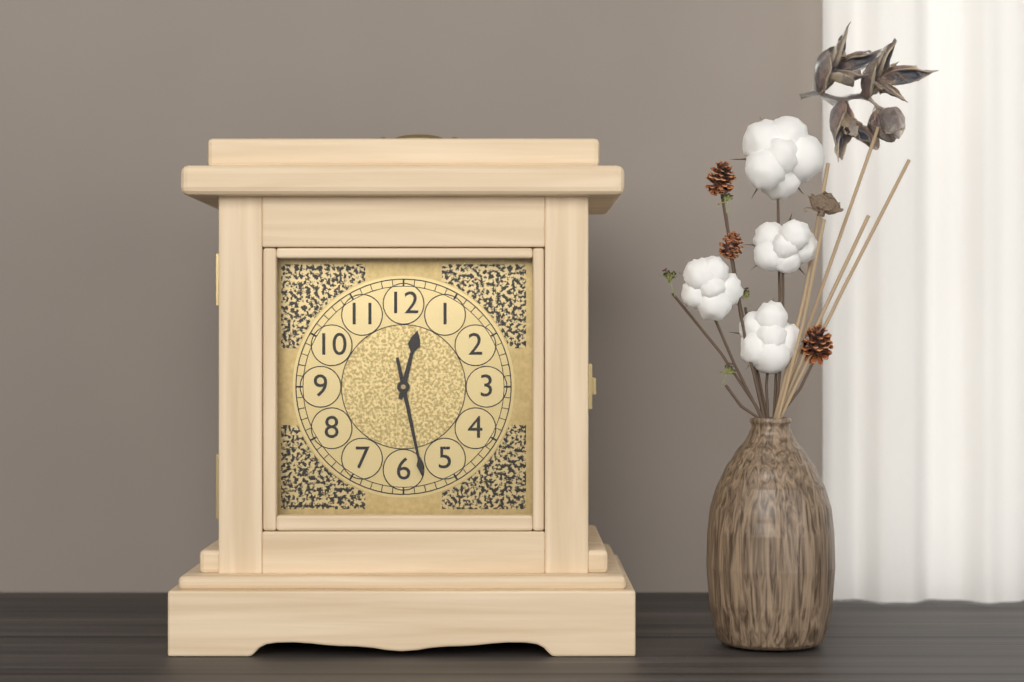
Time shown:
{"hour": 12, "minute": 28}
